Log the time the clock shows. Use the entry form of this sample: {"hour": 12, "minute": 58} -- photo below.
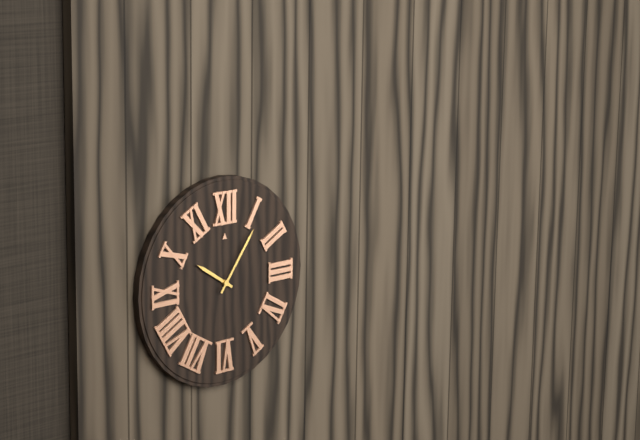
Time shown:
{"hour": 10, "minute": 6}
